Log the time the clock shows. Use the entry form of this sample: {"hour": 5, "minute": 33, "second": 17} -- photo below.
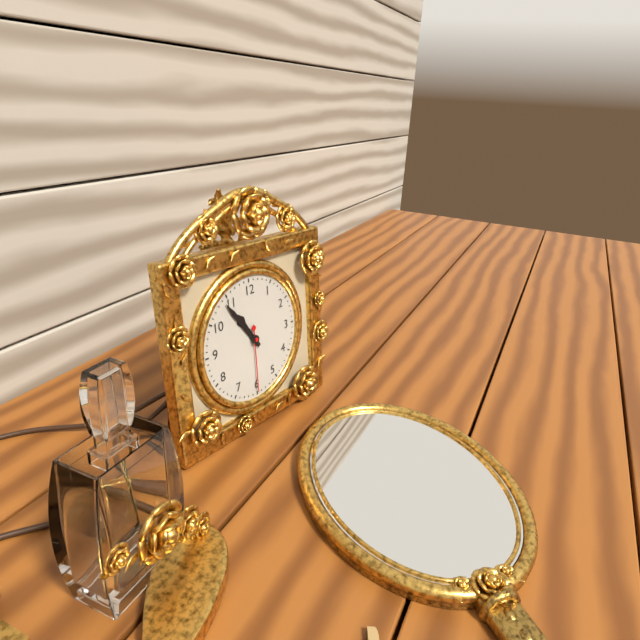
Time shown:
{"hour": 10, "minute": 54, "second": 30}
